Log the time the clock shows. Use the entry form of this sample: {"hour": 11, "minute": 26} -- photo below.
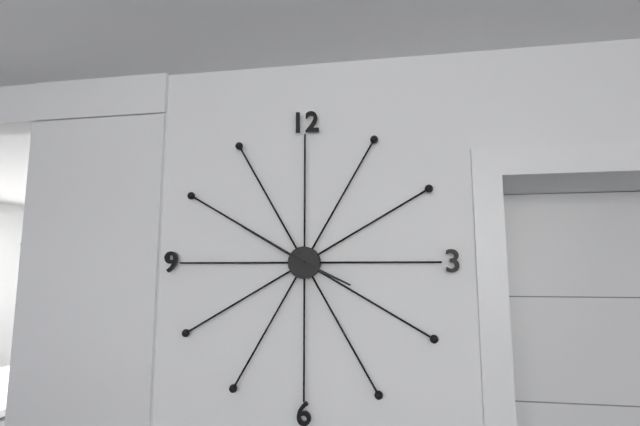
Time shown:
{"hour": 3, "minute": 50}
